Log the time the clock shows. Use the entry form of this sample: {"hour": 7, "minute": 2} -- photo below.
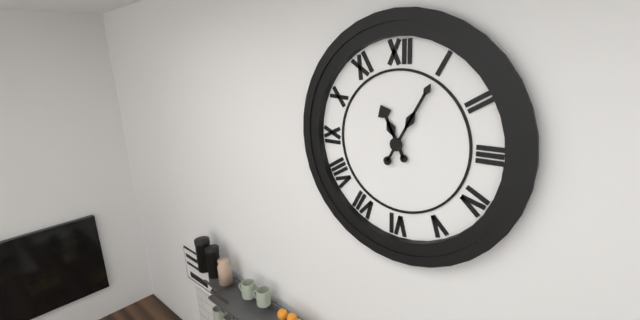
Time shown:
{"hour": 11, "minute": 5}
